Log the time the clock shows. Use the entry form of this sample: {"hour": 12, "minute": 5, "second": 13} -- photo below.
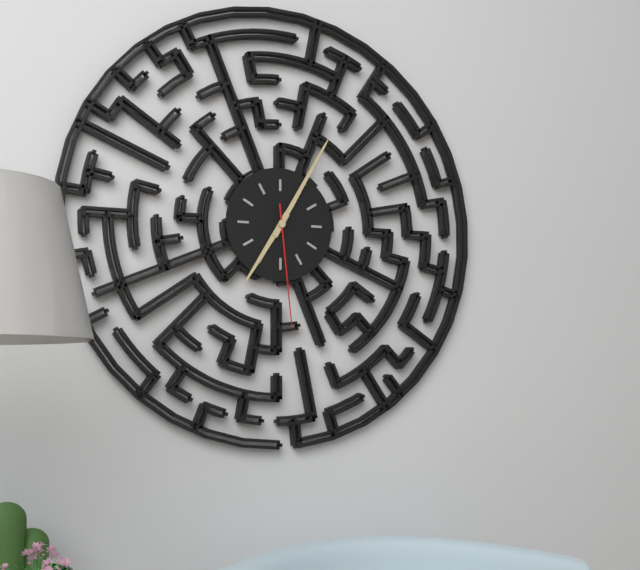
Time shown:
{"hour": 7, "minute": 5, "second": 29}
